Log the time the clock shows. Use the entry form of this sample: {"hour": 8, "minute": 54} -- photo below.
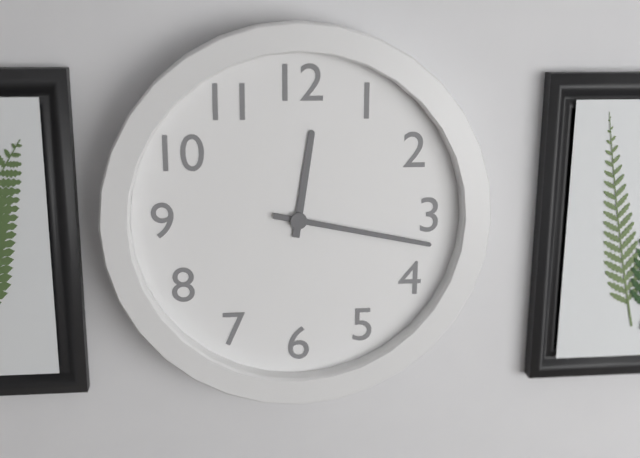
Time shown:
{"hour": 12, "minute": 17}
